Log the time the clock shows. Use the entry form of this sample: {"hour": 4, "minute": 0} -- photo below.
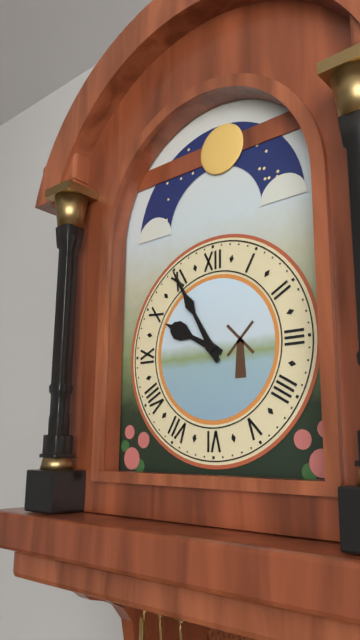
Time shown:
{"hour": 9, "minute": 55}
